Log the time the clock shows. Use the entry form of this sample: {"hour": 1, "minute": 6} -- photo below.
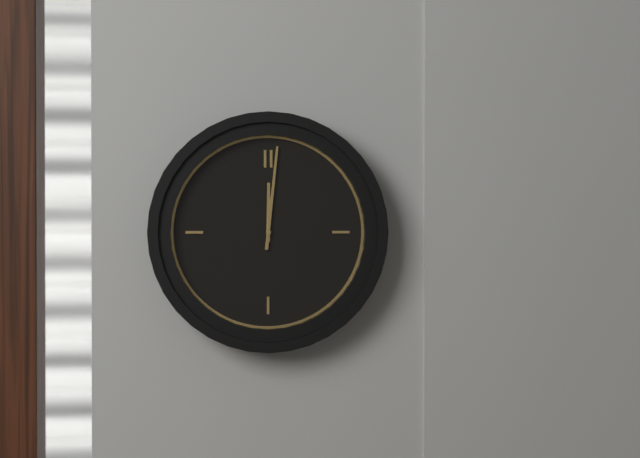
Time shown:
{"hour": 12, "minute": 1}
